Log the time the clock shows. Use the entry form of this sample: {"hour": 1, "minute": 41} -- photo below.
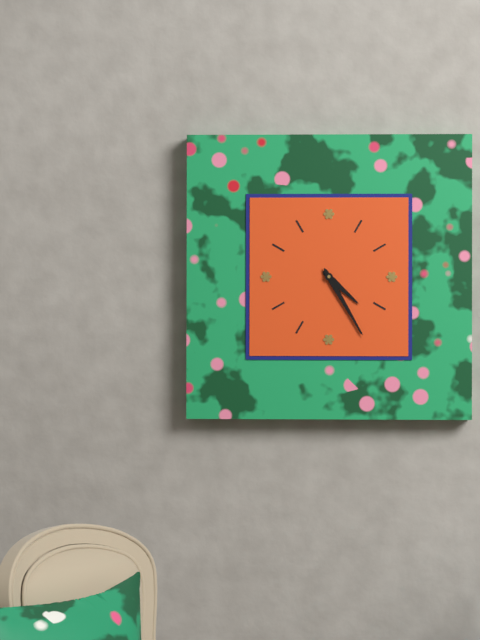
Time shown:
{"hour": 4, "minute": 25}
